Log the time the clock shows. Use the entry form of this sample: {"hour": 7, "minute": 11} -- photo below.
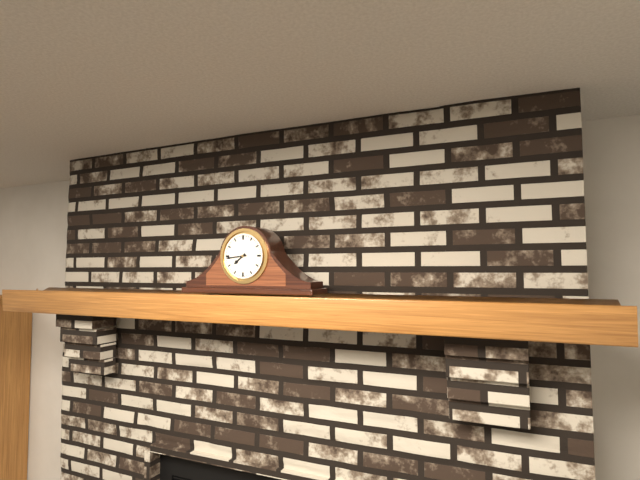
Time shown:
{"hour": 7, "minute": 44}
